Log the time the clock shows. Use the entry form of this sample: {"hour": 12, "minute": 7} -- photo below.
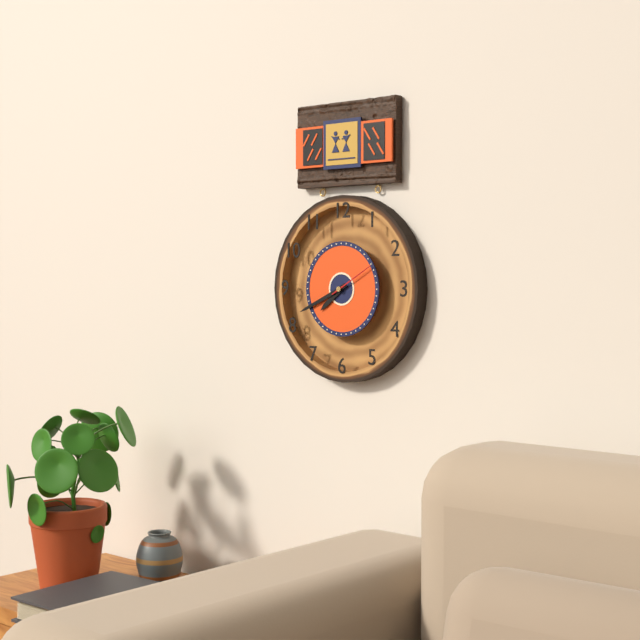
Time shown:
{"hour": 7, "minute": 41}
